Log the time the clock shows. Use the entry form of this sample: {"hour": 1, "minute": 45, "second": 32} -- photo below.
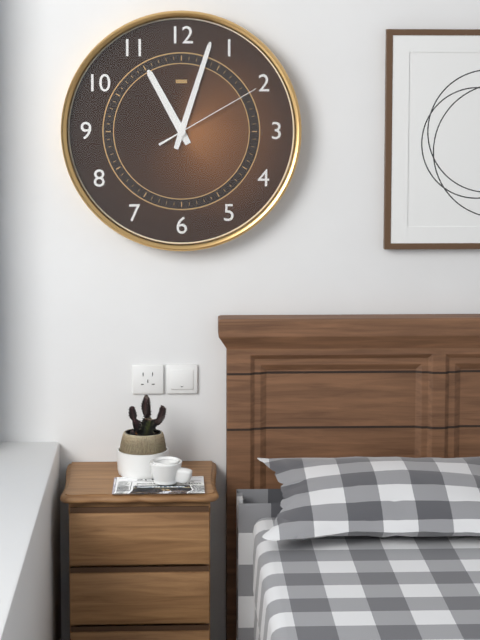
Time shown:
{"hour": 11, "minute": 3, "second": 10}
